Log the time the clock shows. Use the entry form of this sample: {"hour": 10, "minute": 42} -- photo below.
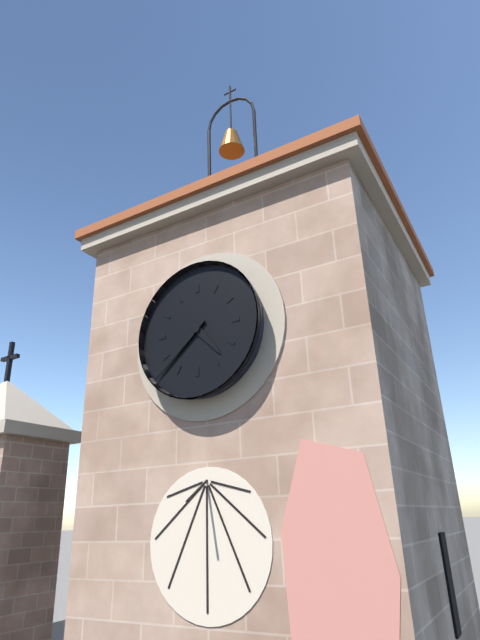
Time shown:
{"hour": 4, "minute": 38}
